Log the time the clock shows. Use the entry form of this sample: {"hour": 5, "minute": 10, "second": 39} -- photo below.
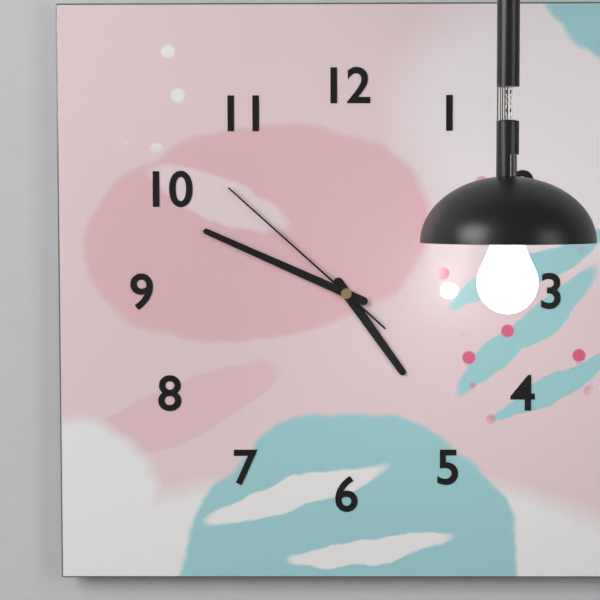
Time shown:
{"hour": 4, "minute": 49, "second": 52}
